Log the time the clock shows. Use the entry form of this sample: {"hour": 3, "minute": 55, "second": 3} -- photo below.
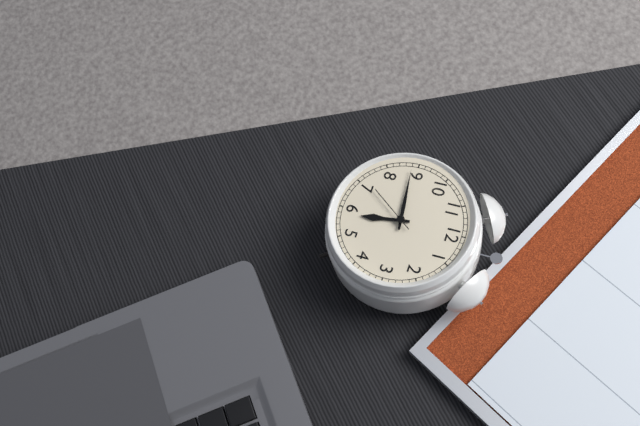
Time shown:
{"hour": 5, "minute": 44, "second": 36}
